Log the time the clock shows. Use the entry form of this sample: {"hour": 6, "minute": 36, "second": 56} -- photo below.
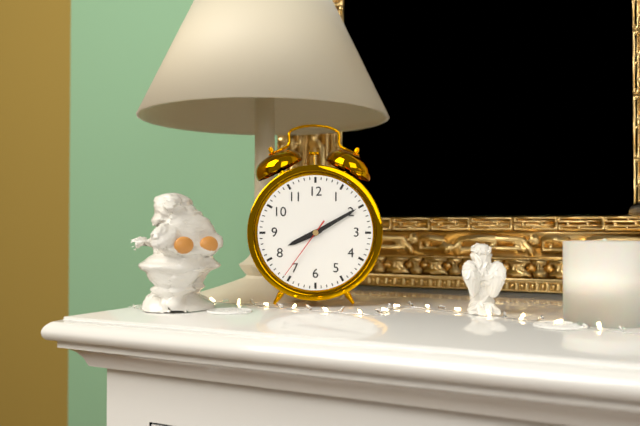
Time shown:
{"hour": 8, "minute": 10, "second": 36}
